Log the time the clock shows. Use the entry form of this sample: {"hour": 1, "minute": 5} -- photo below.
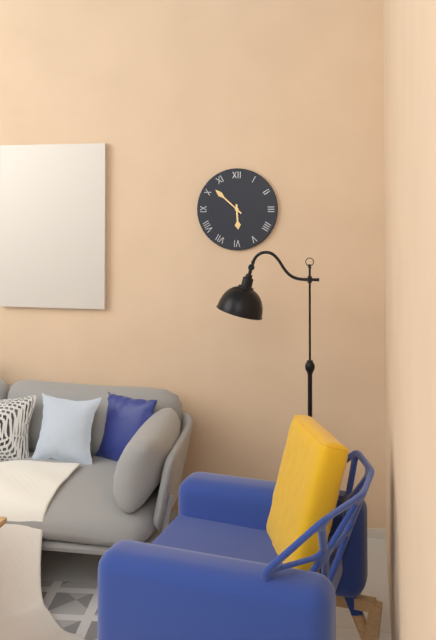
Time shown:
{"hour": 5, "minute": 52}
